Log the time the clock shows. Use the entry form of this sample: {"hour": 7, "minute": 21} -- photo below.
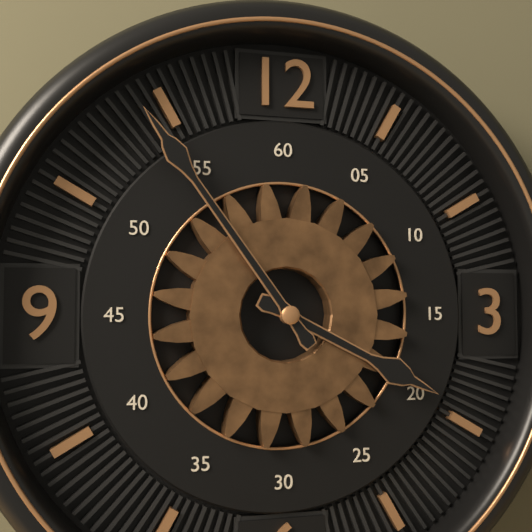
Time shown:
{"hour": 3, "minute": 54}
